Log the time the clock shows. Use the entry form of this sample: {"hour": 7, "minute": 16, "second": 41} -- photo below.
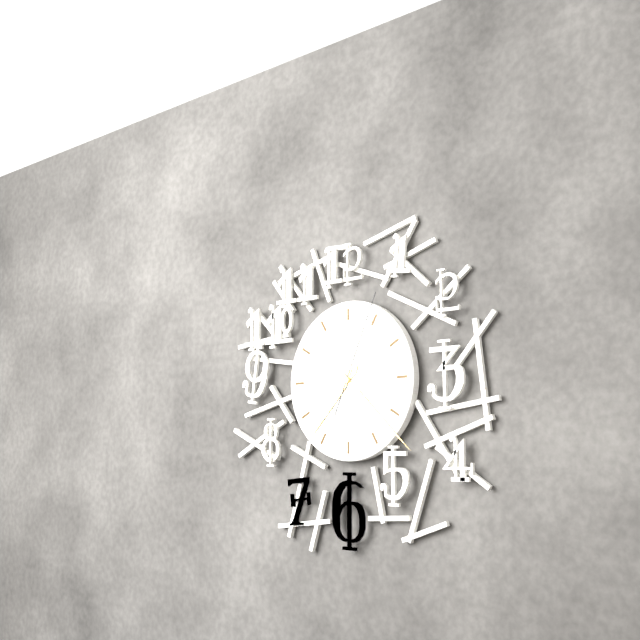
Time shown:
{"hour": 7, "minute": 22, "second": 4}
